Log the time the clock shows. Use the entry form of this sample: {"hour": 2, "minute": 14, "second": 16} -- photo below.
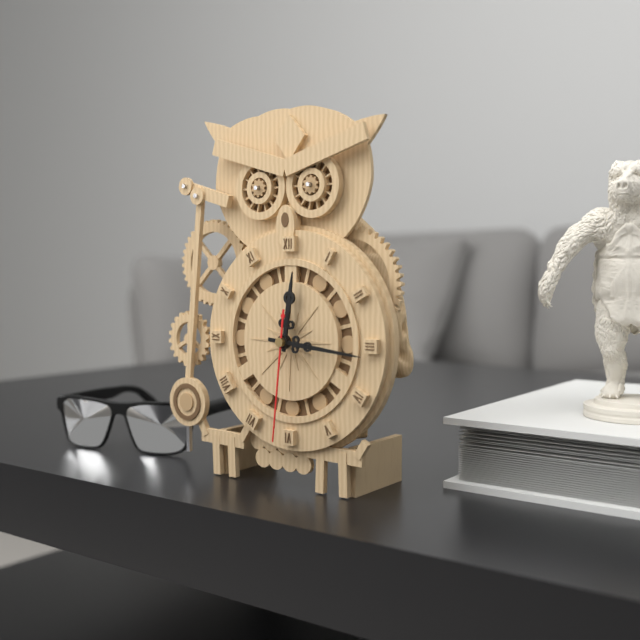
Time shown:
{"hour": 12, "minute": 16, "second": 31}
